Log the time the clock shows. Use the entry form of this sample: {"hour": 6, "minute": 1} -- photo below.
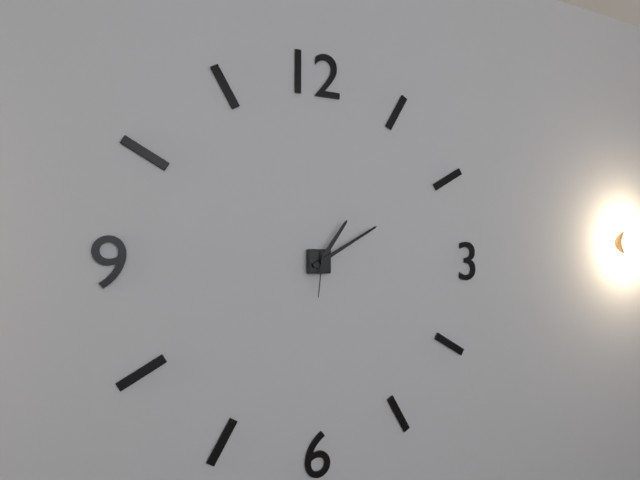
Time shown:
{"hour": 1, "minute": 10}
